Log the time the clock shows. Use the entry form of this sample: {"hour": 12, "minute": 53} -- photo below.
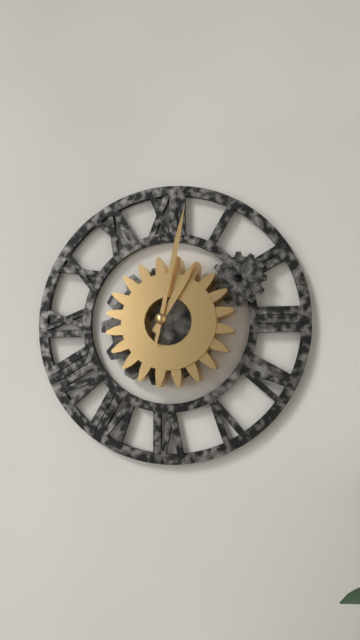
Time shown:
{"hour": 1, "minute": 2}
